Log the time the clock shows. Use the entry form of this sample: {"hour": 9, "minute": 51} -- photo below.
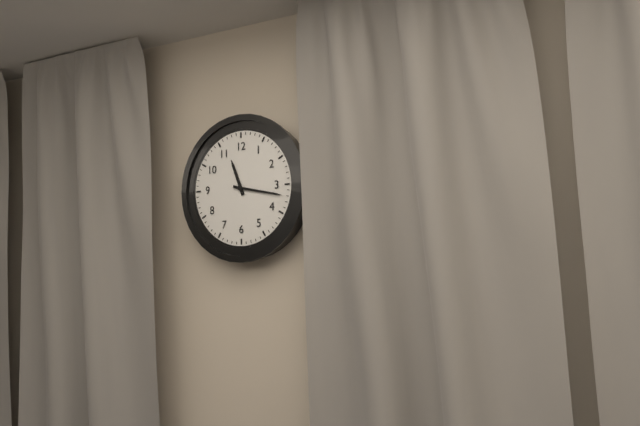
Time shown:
{"hour": 11, "minute": 17}
